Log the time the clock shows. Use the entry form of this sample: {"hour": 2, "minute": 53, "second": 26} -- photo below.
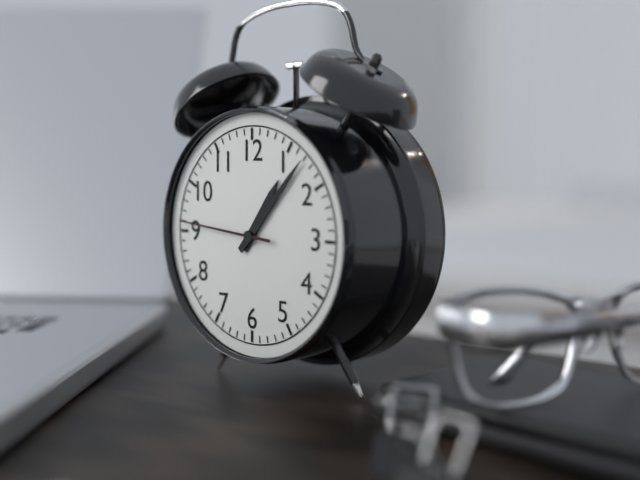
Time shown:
{"hour": 1, "minute": 7, "second": 46}
